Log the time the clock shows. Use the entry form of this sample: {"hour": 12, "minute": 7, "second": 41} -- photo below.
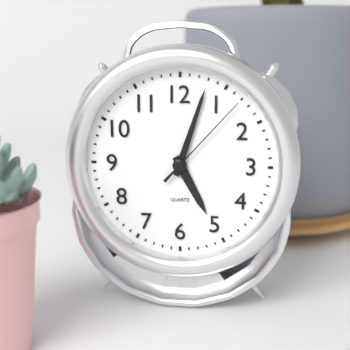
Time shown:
{"hour": 5, "minute": 3, "second": 7}
